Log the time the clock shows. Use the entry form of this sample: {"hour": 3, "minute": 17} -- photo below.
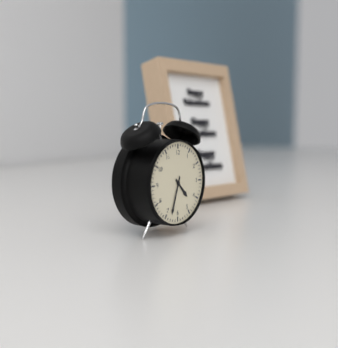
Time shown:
{"hour": 4, "minute": 33}
